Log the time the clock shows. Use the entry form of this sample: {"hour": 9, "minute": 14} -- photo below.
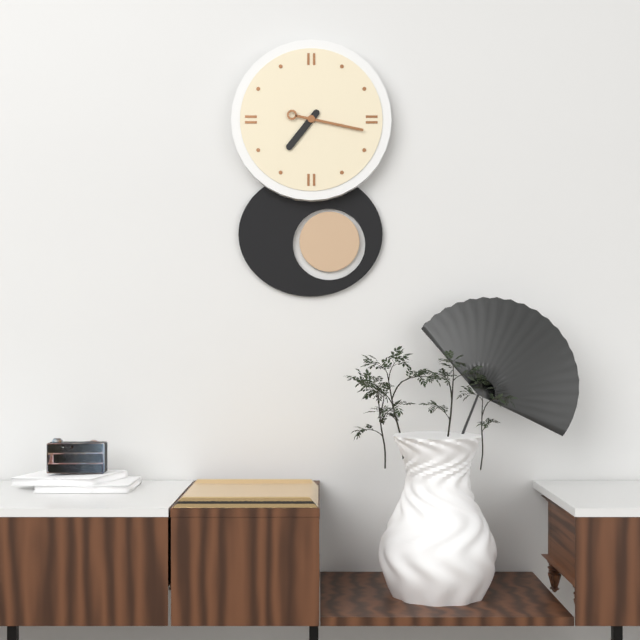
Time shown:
{"hour": 7, "minute": 17}
